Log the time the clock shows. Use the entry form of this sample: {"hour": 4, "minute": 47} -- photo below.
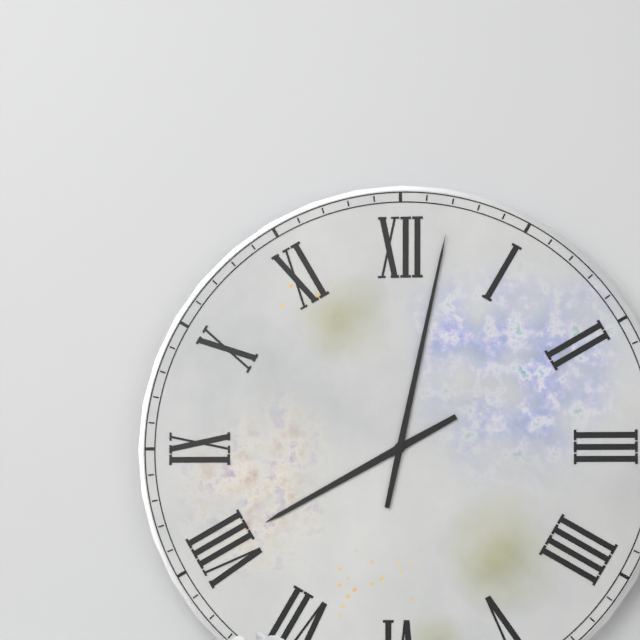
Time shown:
{"hour": 8, "minute": 2}
